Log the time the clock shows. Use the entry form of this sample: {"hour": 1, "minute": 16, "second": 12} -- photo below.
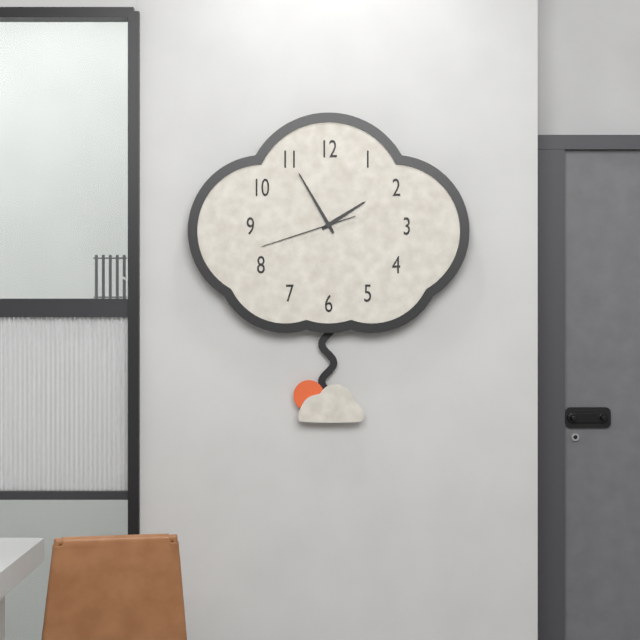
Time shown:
{"hour": 1, "minute": 55, "second": 42}
